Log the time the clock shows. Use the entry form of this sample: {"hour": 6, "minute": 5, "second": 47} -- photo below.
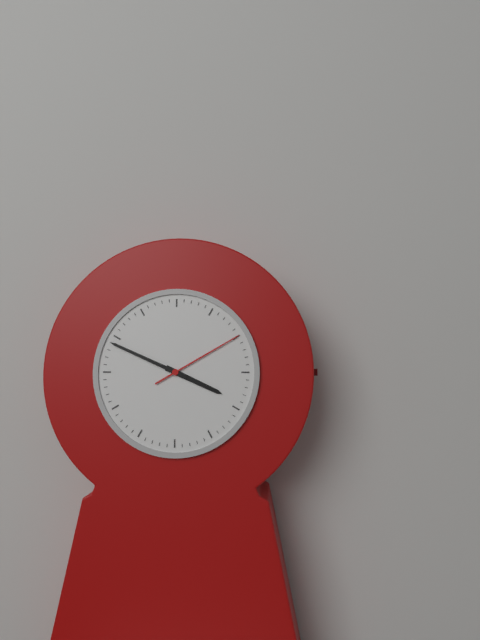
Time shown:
{"hour": 3, "minute": 49, "second": 10}
